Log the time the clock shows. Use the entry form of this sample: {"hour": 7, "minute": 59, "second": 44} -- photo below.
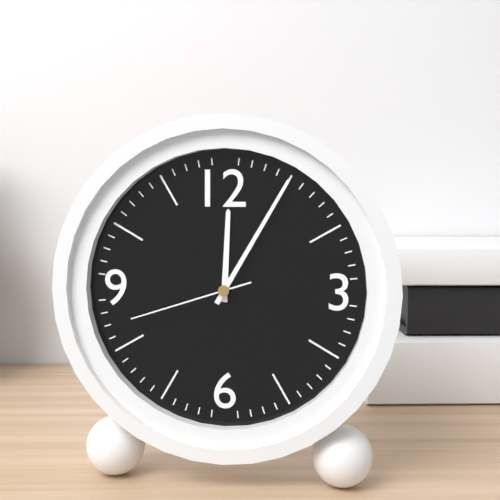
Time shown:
{"hour": 12, "minute": 5, "second": 42}
